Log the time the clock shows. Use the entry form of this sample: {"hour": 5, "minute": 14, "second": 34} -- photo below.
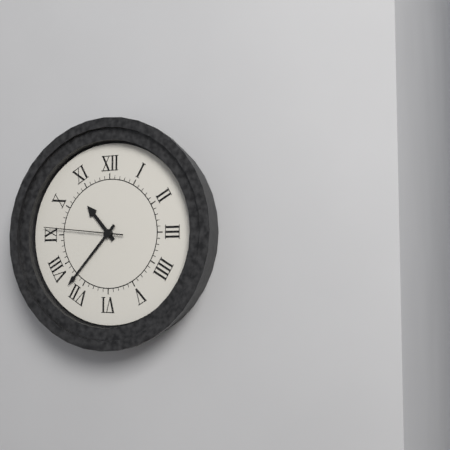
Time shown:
{"hour": 10, "minute": 37, "second": 46}
